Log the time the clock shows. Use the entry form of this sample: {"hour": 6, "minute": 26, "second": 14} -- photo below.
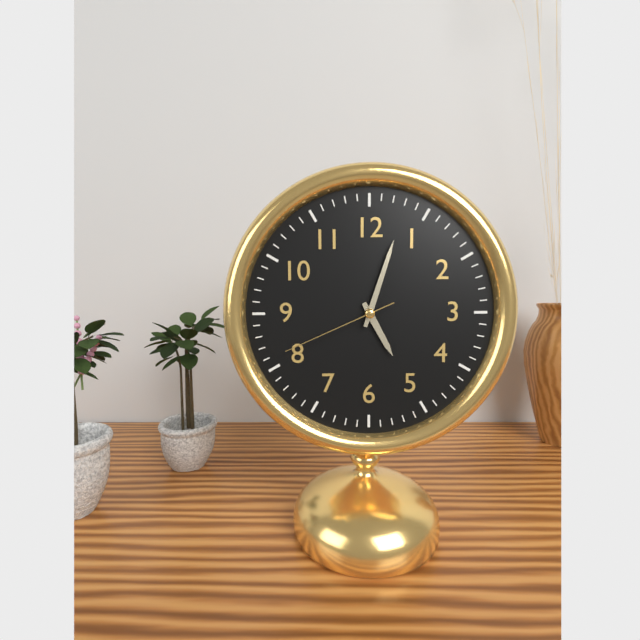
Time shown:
{"hour": 5, "minute": 3, "second": 41}
